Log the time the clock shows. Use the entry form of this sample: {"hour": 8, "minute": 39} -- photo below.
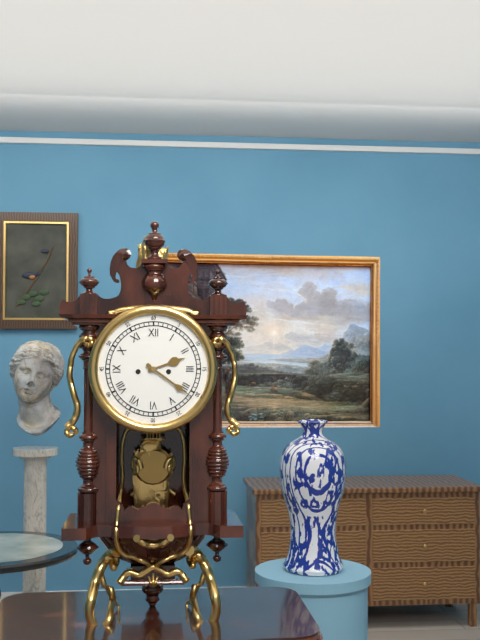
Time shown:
{"hour": 2, "minute": 21}
